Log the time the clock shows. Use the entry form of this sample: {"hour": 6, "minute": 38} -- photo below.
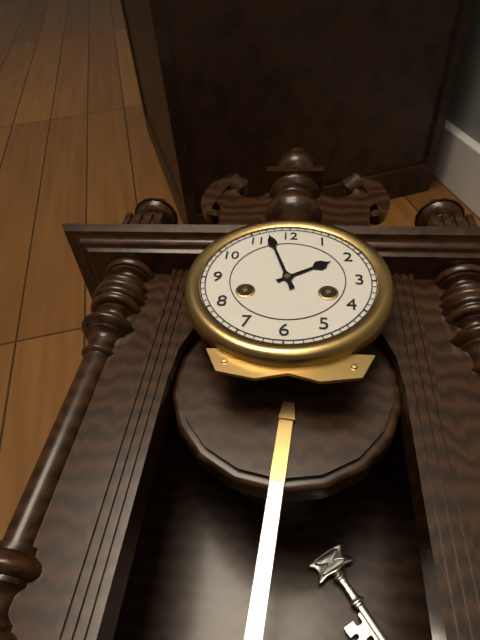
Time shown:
{"hour": 1, "minute": 57}
